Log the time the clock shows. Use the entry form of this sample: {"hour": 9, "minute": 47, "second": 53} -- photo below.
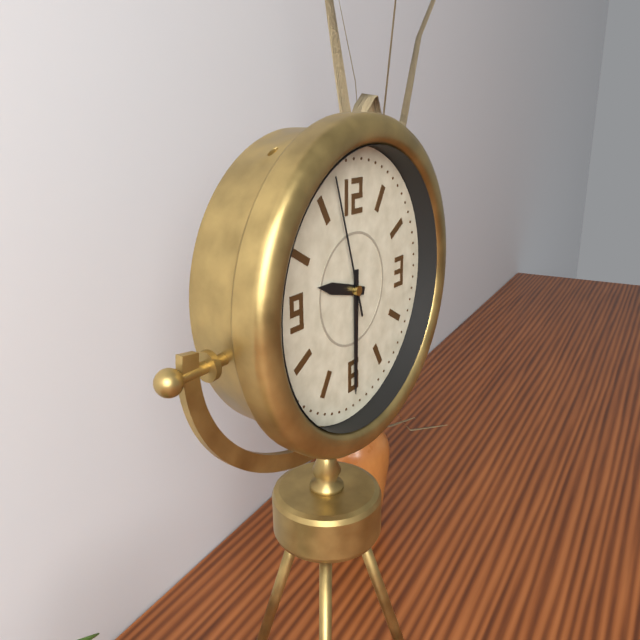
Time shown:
{"hour": 9, "minute": 30, "second": 57}
